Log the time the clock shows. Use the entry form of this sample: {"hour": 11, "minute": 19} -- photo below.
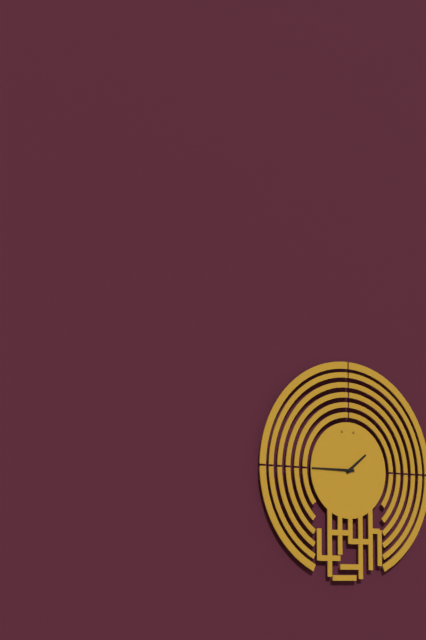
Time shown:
{"hour": 1, "minute": 45}
